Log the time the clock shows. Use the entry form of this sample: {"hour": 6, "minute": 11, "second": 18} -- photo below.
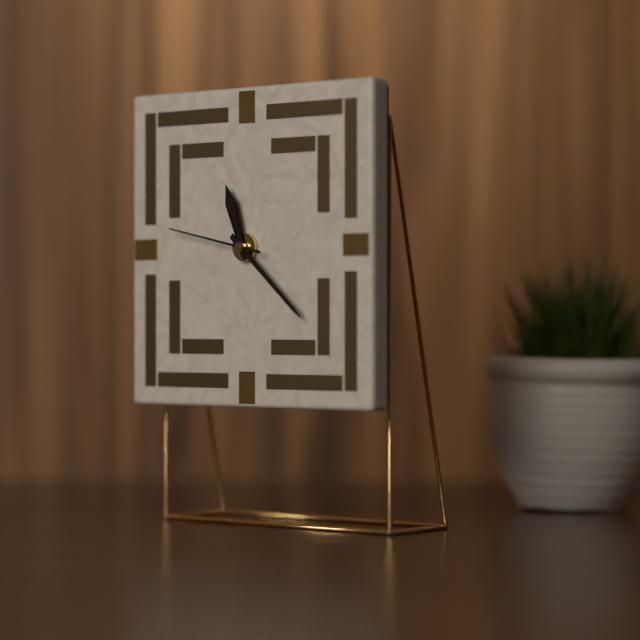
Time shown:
{"hour": 11, "minute": 22, "second": 47}
